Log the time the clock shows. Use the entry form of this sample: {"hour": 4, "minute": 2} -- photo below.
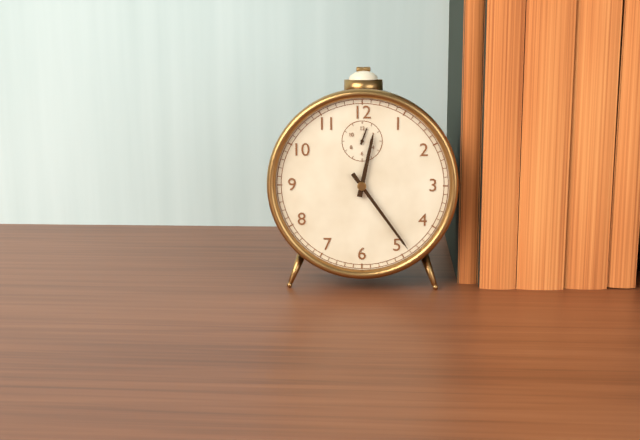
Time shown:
{"hour": 12, "minute": 24}
